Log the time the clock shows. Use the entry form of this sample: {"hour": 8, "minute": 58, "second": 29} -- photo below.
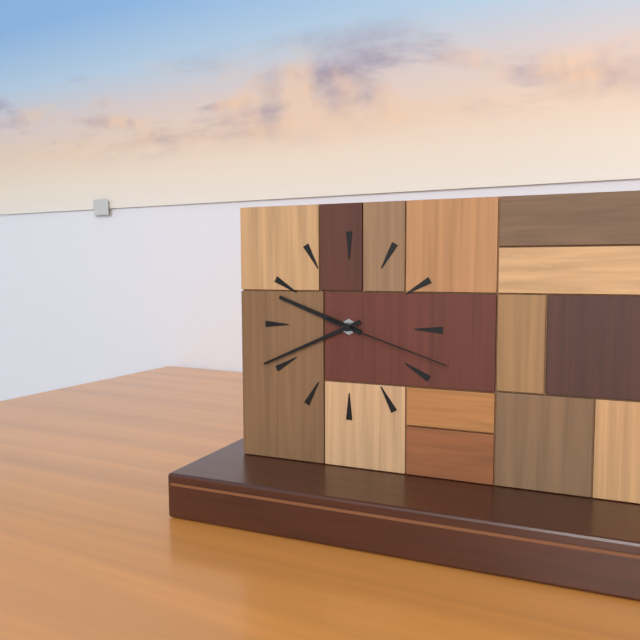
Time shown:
{"hour": 9, "minute": 41, "second": 18}
